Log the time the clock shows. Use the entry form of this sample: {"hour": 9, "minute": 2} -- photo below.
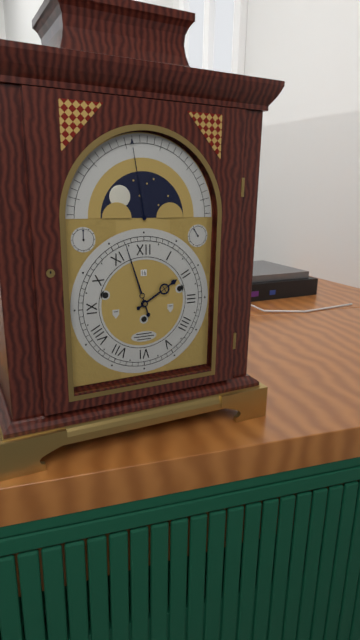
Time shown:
{"hour": 1, "minute": 57}
